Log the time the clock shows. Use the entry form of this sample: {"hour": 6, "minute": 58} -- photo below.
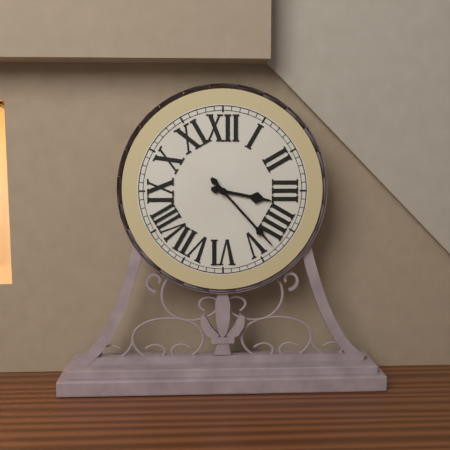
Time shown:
{"hour": 3, "minute": 23}
